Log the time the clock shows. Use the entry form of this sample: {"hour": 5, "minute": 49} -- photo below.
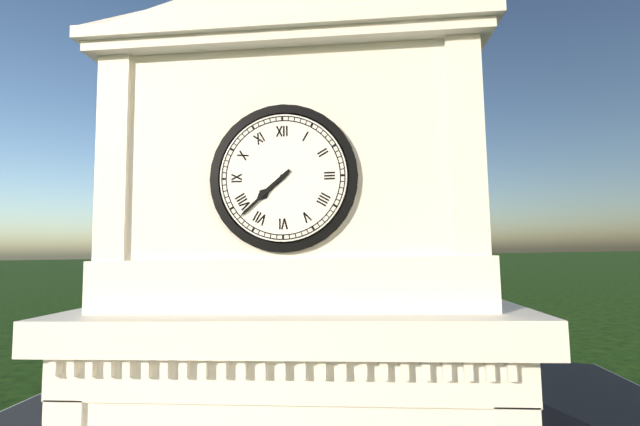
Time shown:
{"hour": 7, "minute": 38}
